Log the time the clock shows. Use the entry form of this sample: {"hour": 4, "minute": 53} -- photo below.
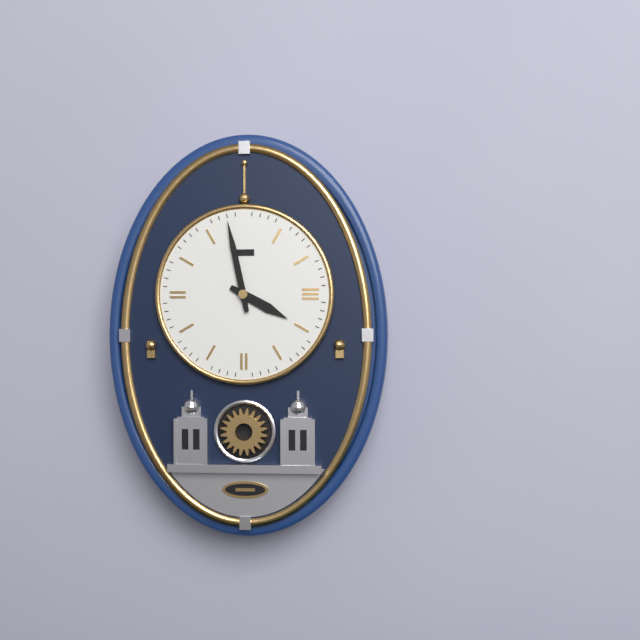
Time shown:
{"hour": 3, "minute": 58}
